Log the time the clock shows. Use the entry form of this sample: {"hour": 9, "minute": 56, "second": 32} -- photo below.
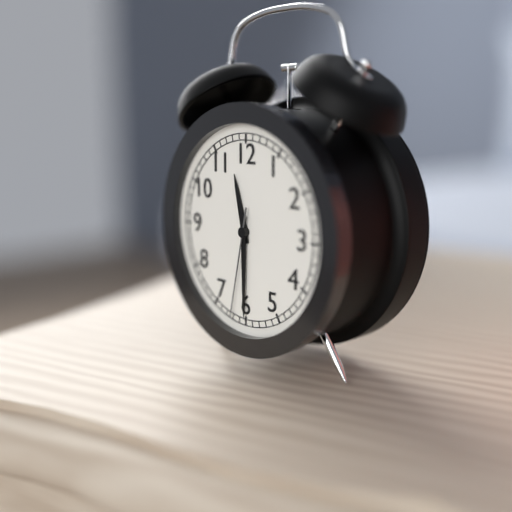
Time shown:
{"hour": 11, "minute": 30, "second": 32}
